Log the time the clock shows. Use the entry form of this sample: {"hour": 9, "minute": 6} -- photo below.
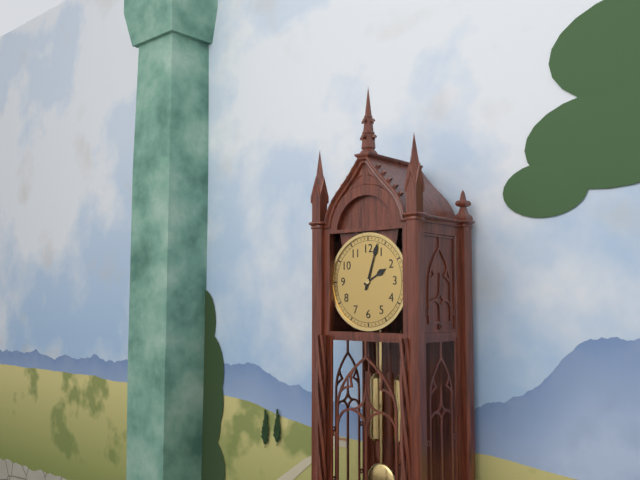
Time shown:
{"hour": 2, "minute": 3}
